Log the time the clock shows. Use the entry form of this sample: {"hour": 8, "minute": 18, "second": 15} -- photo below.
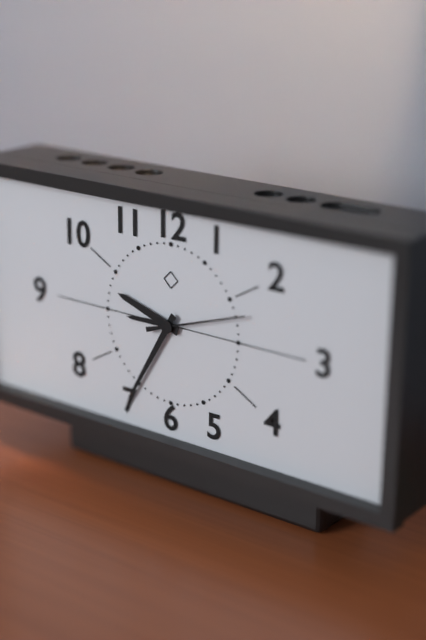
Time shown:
{"hour": 9, "minute": 35, "second": 12}
